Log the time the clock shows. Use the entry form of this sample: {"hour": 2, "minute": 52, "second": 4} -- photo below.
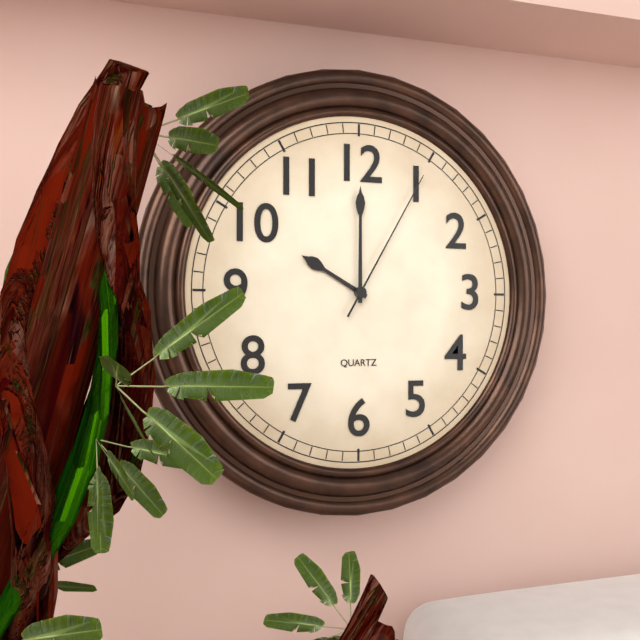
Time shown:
{"hour": 10, "minute": 0, "second": 5}
